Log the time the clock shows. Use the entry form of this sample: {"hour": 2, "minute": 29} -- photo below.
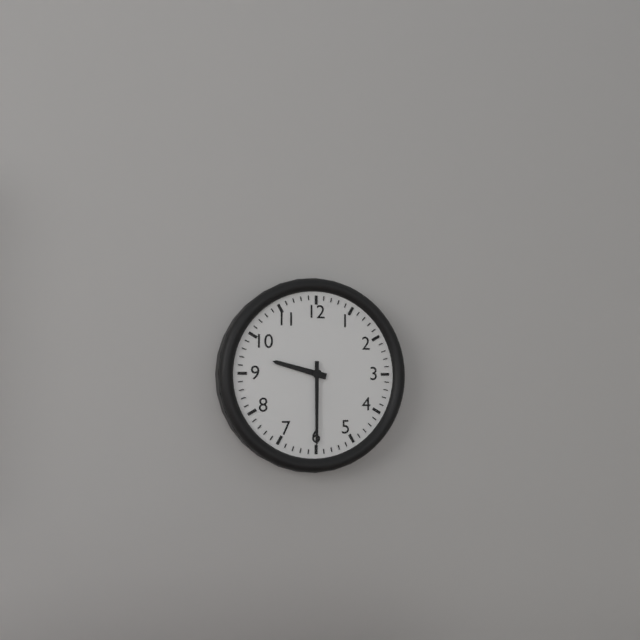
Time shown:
{"hour": 9, "minute": 30}
